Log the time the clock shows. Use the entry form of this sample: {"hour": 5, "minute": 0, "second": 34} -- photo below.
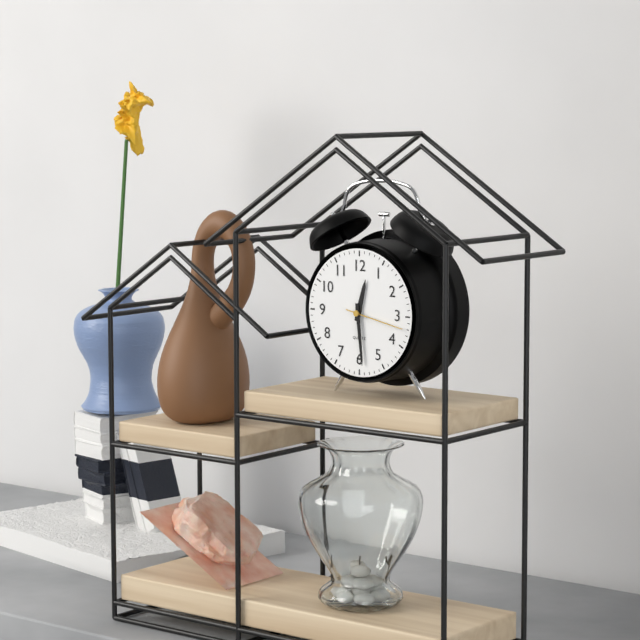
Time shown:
{"hour": 12, "minute": 29, "second": 17}
